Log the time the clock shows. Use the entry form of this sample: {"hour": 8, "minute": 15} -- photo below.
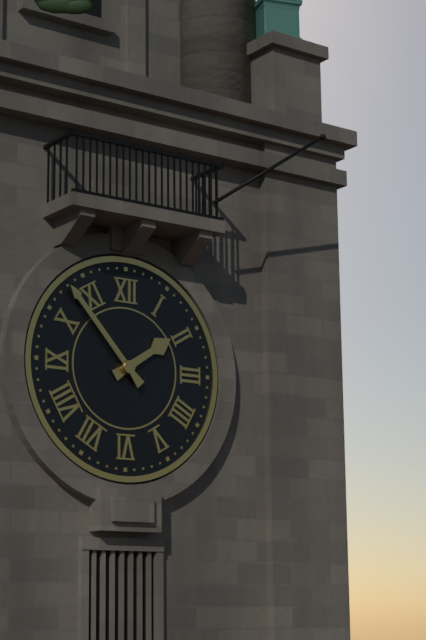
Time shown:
{"hour": 1, "minute": 53}
